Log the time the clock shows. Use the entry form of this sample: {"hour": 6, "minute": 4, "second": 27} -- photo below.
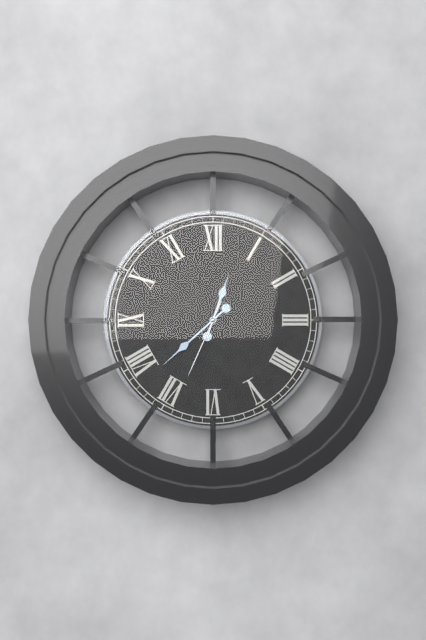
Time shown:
{"hour": 12, "minute": 38, "second": 34}
